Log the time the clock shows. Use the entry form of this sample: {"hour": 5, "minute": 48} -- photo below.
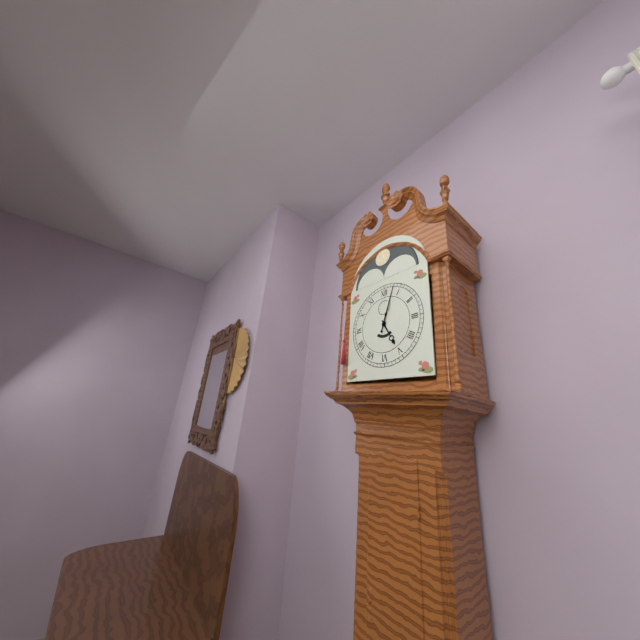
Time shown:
{"hour": 5, "minute": 3}
